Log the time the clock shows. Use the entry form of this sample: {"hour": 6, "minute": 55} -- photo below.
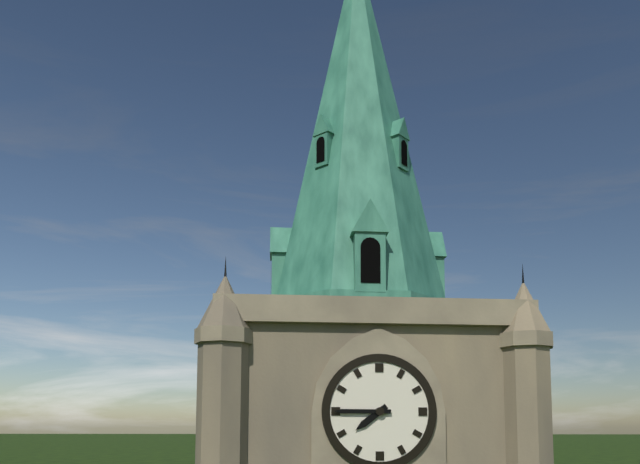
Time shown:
{"hour": 7, "minute": 45}
